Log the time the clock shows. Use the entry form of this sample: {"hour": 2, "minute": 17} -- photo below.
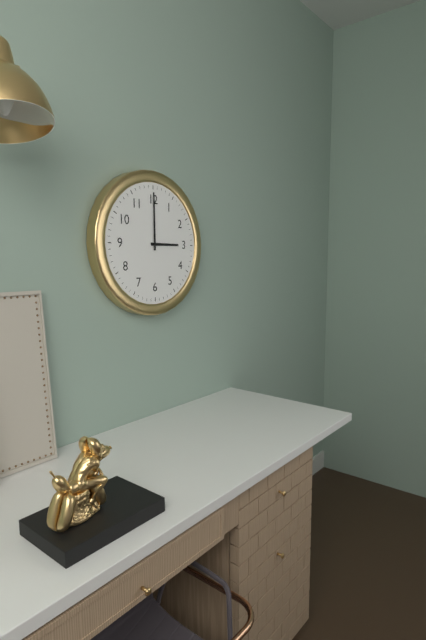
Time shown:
{"hour": 3, "minute": 0}
